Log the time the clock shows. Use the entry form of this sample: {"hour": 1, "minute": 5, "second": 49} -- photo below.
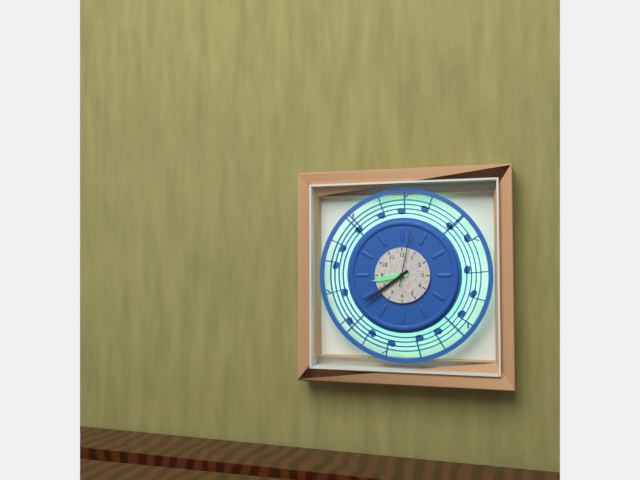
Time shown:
{"hour": 8, "minute": 39, "second": 2}
